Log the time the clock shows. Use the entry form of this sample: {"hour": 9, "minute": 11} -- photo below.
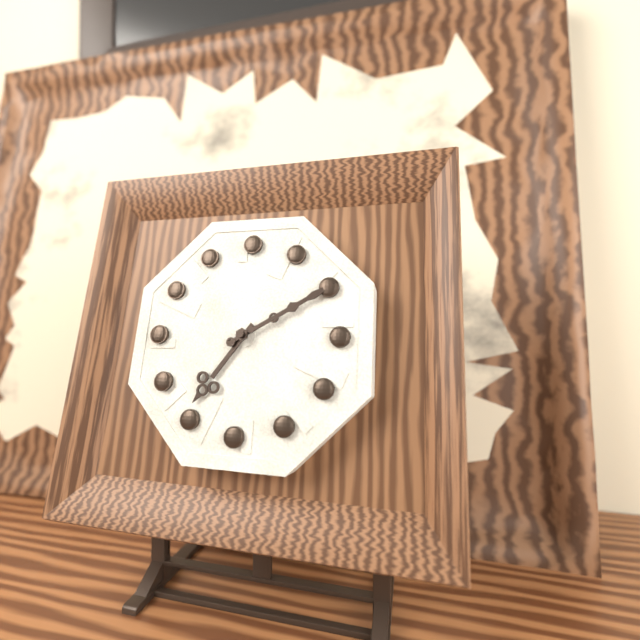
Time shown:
{"hour": 7, "minute": 10}
